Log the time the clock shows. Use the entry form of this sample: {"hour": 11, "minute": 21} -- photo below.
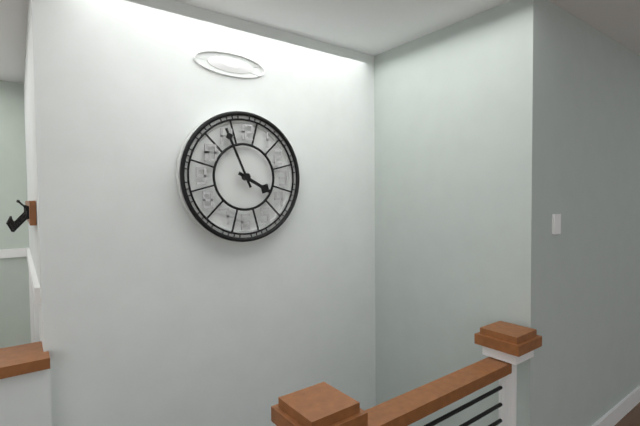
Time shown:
{"hour": 3, "minute": 56}
